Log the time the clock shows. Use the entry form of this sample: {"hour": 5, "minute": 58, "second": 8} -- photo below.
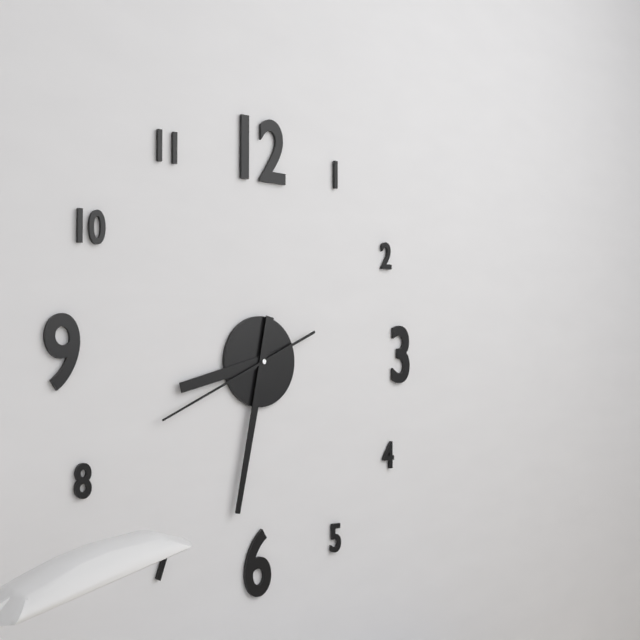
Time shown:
{"hour": 8, "minute": 32, "second": 41}
